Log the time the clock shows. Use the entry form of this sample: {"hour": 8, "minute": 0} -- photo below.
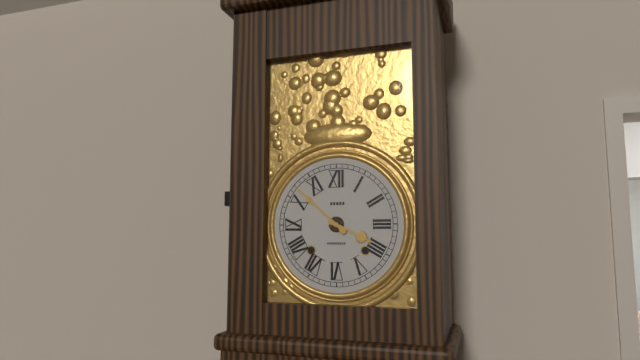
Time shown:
{"hour": 3, "minute": 52}
